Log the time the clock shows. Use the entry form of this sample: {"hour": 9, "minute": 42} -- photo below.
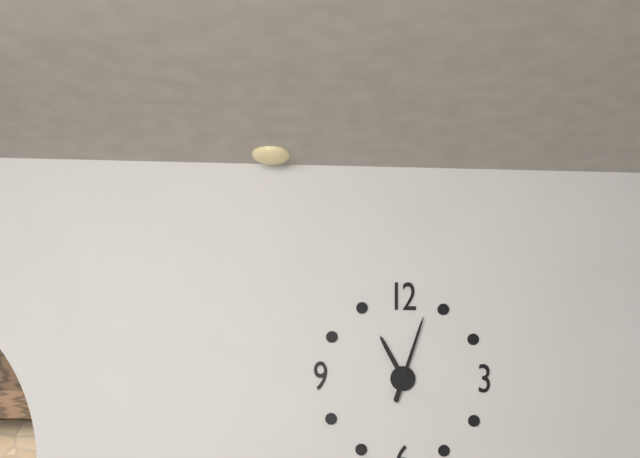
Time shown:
{"hour": 11, "minute": 3}
